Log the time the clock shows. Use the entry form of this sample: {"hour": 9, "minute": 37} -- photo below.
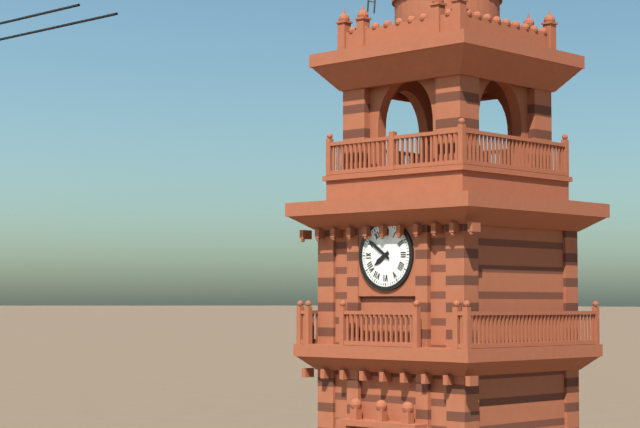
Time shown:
{"hour": 7, "minute": 51}
